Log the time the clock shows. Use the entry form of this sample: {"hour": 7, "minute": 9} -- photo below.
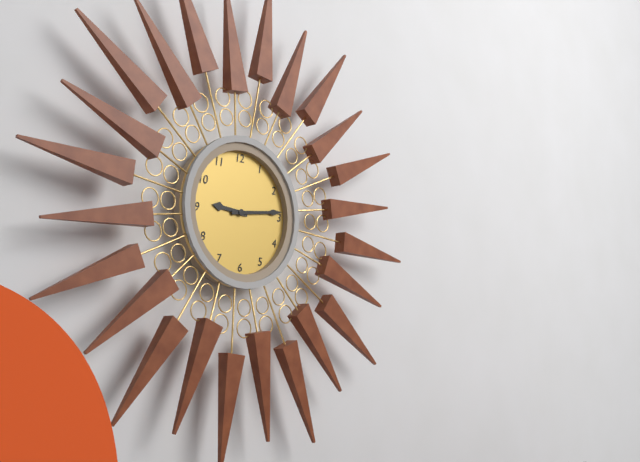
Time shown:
{"hour": 9, "minute": 14}
